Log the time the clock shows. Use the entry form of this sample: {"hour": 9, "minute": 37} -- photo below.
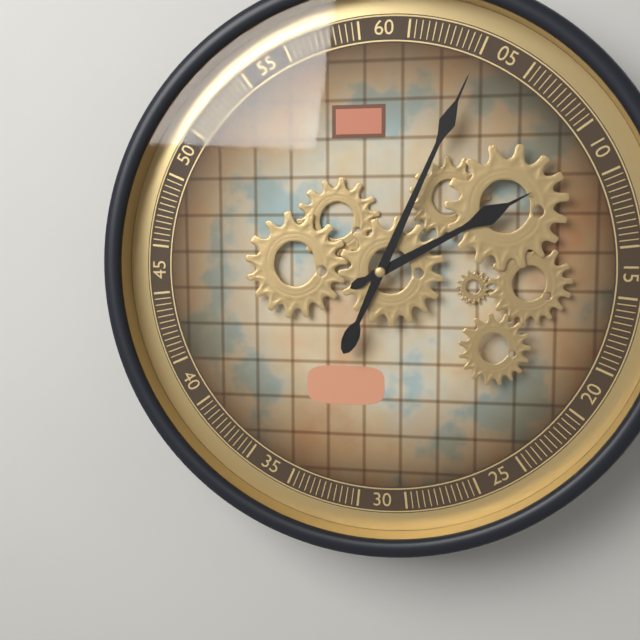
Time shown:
{"hour": 2, "minute": 4}
